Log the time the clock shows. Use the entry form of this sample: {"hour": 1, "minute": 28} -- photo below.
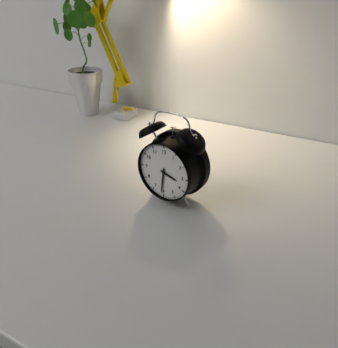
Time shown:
{"hour": 3, "minute": 31}
